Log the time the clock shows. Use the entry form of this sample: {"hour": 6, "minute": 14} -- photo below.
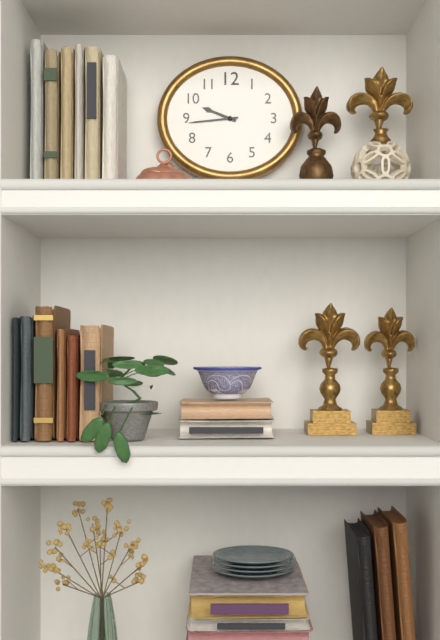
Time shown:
{"hour": 9, "minute": 44}
